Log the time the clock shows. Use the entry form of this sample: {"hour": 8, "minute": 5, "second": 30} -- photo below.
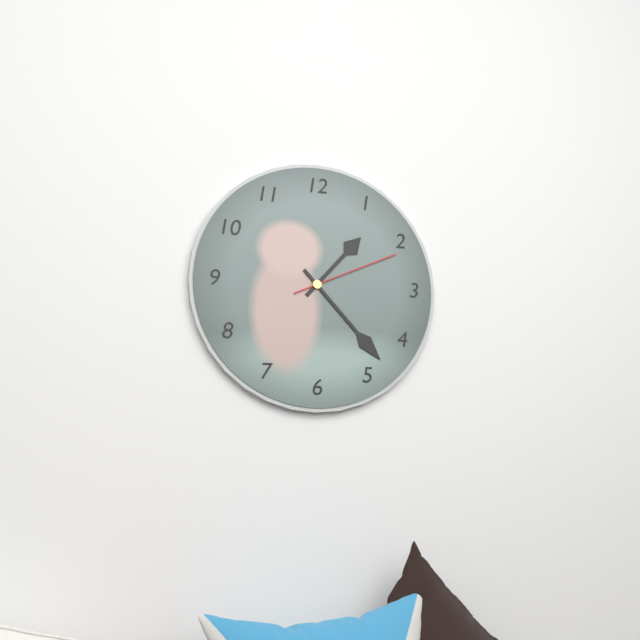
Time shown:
{"hour": 1, "minute": 23, "second": 11}
